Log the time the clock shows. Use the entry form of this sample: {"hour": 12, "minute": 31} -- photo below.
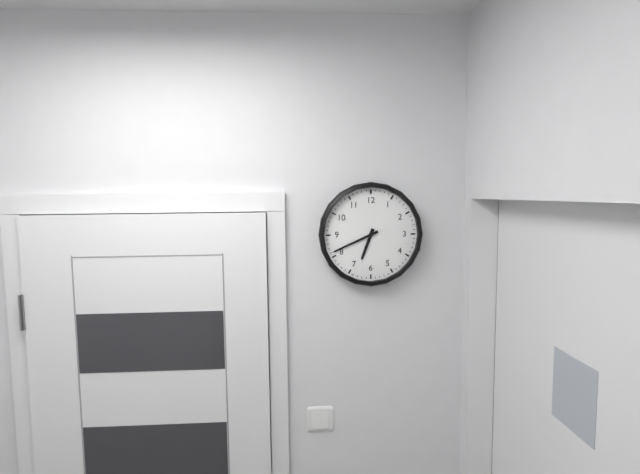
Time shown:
{"hour": 6, "minute": 41}
